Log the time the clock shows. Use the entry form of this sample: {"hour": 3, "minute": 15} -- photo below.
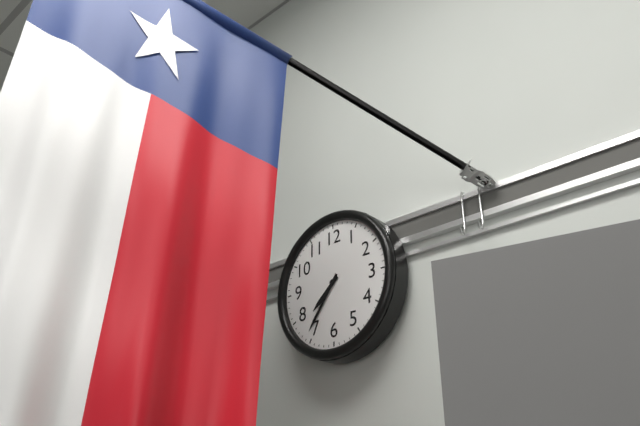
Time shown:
{"hour": 7, "minute": 36}
